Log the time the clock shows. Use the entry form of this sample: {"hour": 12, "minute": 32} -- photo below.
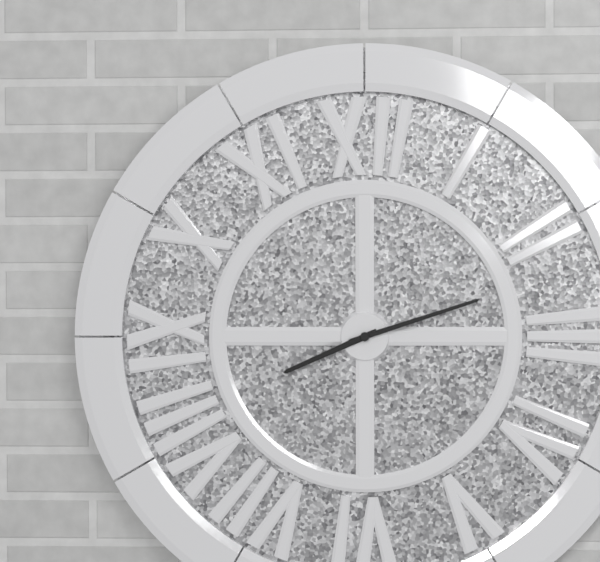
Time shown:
{"hour": 8, "minute": 12}
